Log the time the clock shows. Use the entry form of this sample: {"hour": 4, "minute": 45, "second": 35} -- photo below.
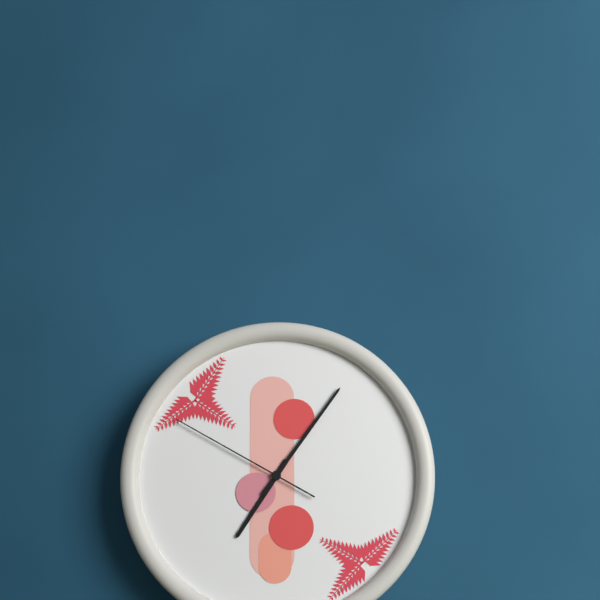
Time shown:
{"hour": 7, "minute": 6, "second": 50}
